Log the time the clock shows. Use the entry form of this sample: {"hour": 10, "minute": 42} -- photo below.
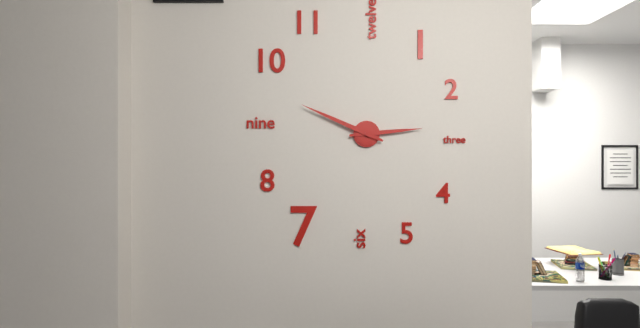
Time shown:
{"hour": 2, "minute": 49}
